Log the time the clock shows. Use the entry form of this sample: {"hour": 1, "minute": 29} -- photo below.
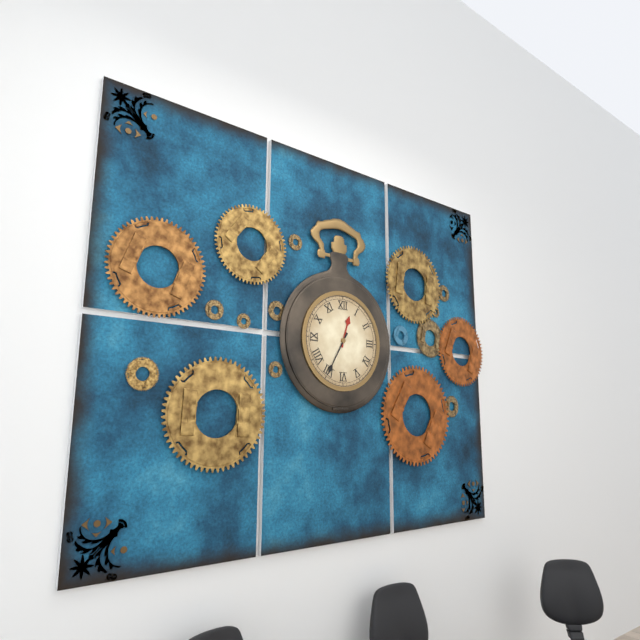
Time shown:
{"hour": 12, "minute": 35}
